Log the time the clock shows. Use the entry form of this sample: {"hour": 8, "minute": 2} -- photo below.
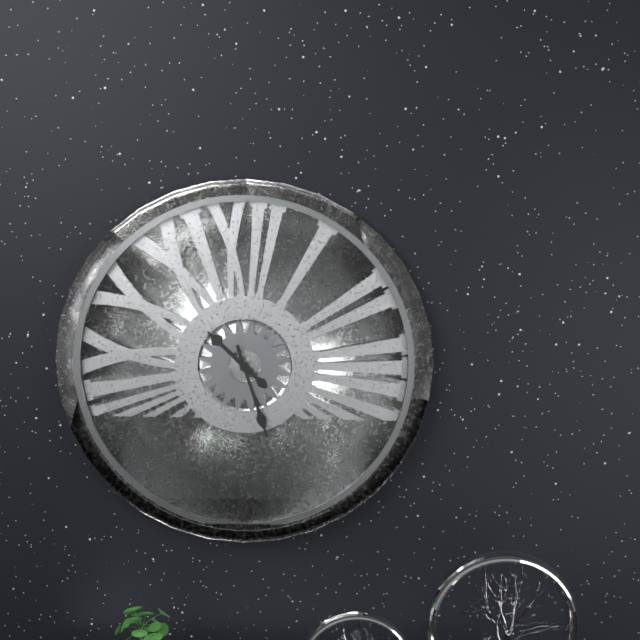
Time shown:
{"hour": 10, "minute": 27}
